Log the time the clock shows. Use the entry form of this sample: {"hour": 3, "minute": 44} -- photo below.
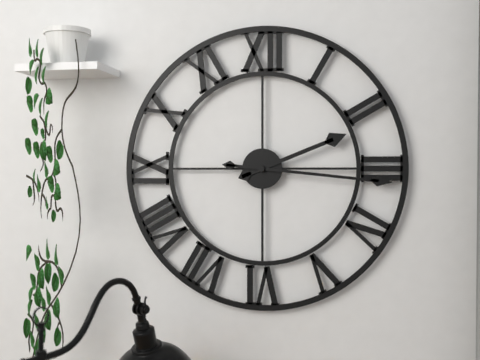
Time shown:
{"hour": 2, "minute": 16}
